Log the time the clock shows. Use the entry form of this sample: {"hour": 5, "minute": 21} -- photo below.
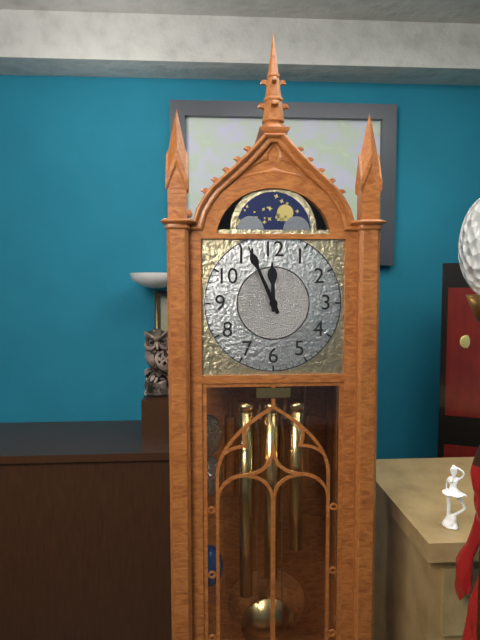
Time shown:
{"hour": 11, "minute": 56}
